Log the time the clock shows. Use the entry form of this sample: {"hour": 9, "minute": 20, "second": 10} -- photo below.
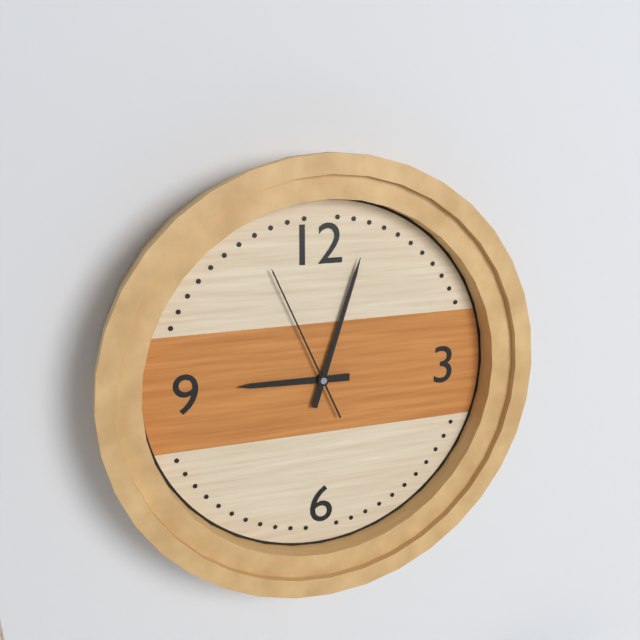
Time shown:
{"hour": 9, "minute": 3, "second": 56}
